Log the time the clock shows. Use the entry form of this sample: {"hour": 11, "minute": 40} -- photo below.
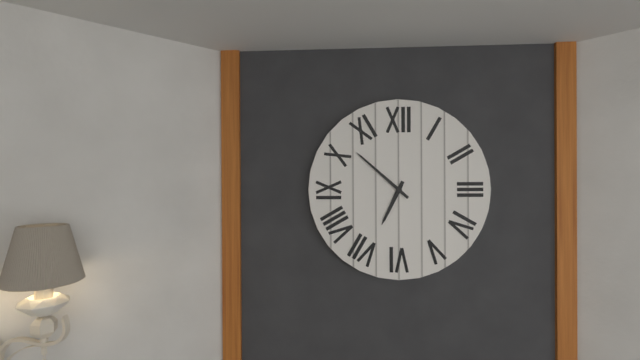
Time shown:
{"hour": 6, "minute": 52}
